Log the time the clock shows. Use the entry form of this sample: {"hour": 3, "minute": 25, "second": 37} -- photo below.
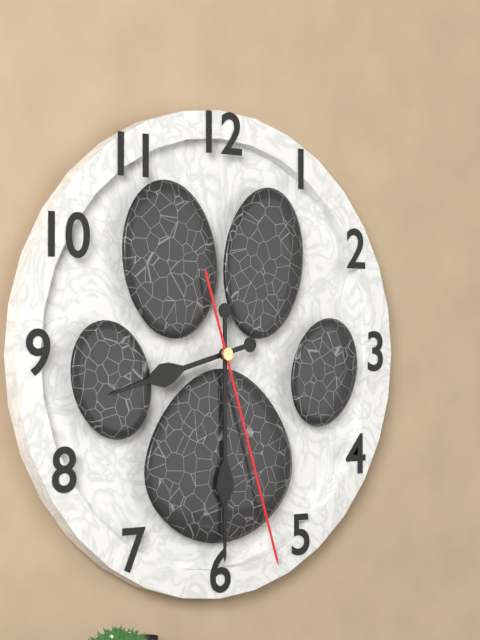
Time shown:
{"hour": 8, "minute": 30, "second": 27}
